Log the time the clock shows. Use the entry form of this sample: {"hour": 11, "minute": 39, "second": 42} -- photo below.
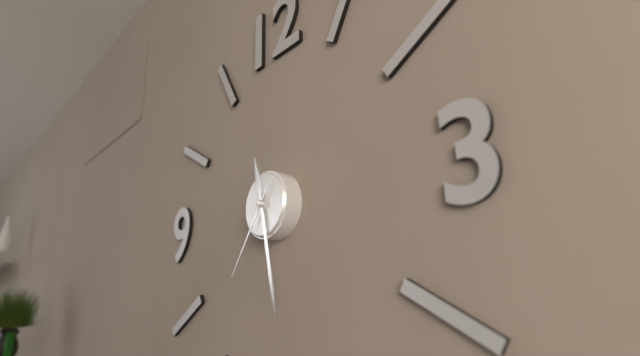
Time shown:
{"hour": 11, "minute": 28, "second": 36}
